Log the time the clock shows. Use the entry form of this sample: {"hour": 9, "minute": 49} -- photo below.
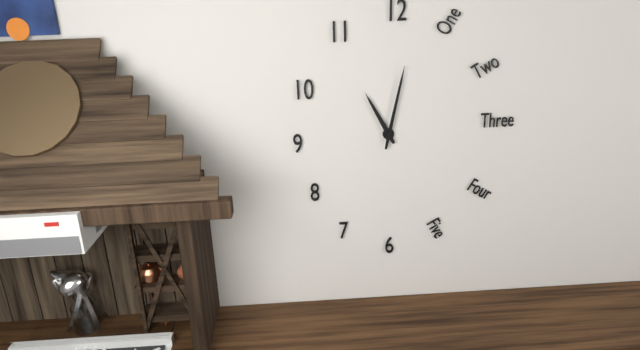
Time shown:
{"hour": 11, "minute": 2}
